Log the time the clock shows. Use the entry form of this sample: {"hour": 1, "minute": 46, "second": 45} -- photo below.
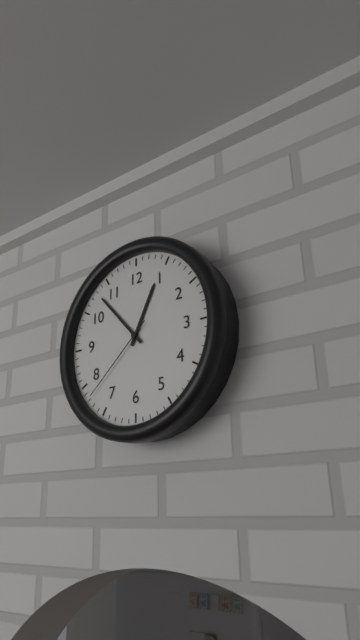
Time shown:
{"hour": 12, "minute": 53, "second": 38}
